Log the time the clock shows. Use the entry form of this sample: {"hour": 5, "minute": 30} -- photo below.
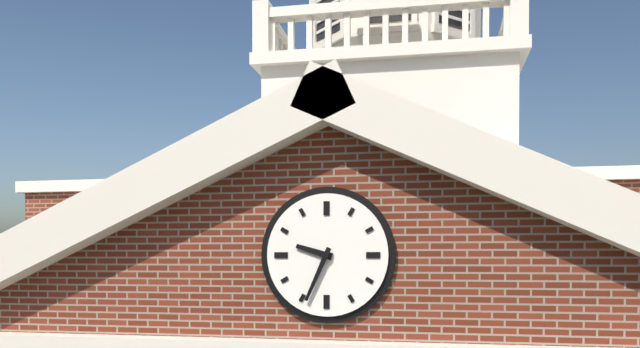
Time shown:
{"hour": 9, "minute": 34}
